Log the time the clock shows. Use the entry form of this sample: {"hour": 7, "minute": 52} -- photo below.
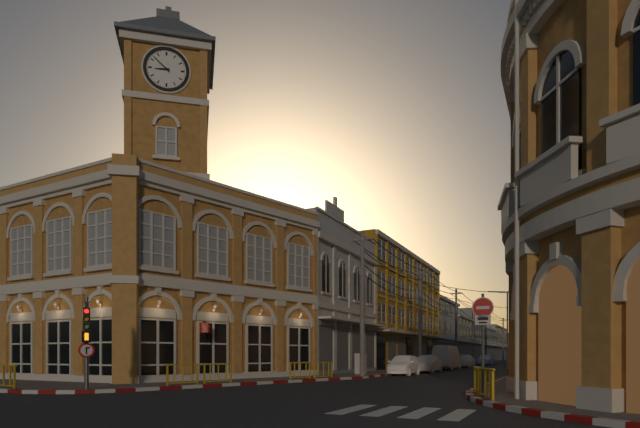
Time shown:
{"hour": 8, "minute": 52}
